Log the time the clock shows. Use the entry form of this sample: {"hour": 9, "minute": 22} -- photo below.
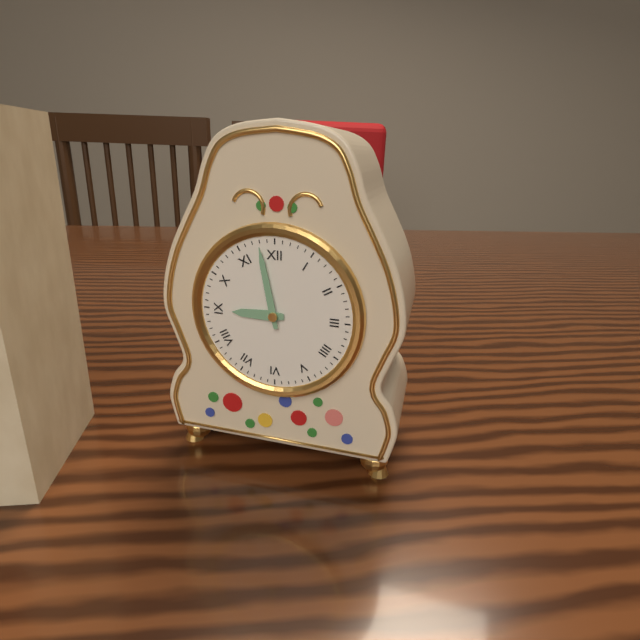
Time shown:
{"hour": 8, "minute": 58}
